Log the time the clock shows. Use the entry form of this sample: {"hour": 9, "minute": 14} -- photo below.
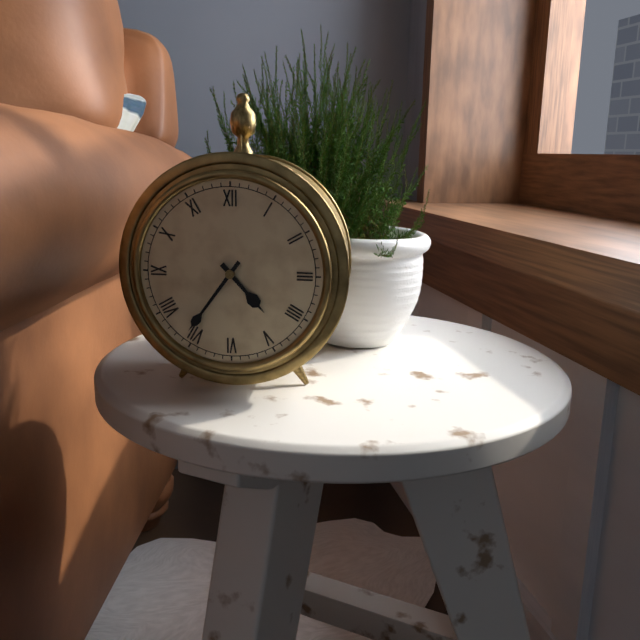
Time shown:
{"hour": 4, "minute": 36}
